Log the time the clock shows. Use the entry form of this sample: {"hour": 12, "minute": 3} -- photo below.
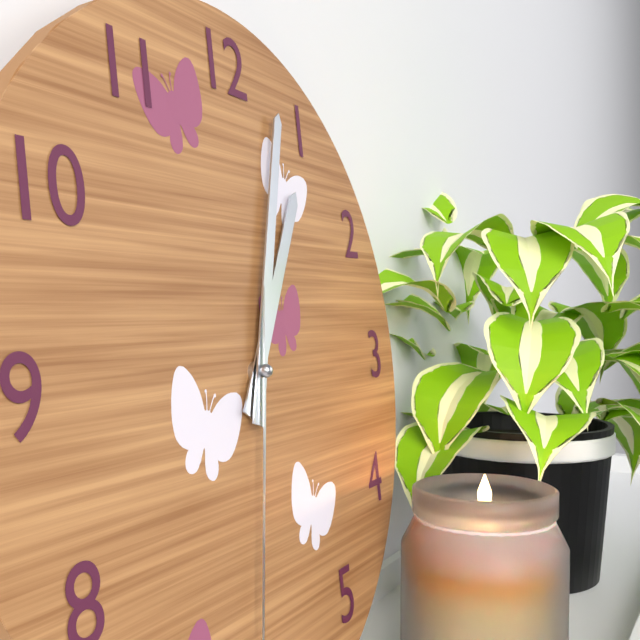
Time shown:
{"hour": 1, "minute": 3}
